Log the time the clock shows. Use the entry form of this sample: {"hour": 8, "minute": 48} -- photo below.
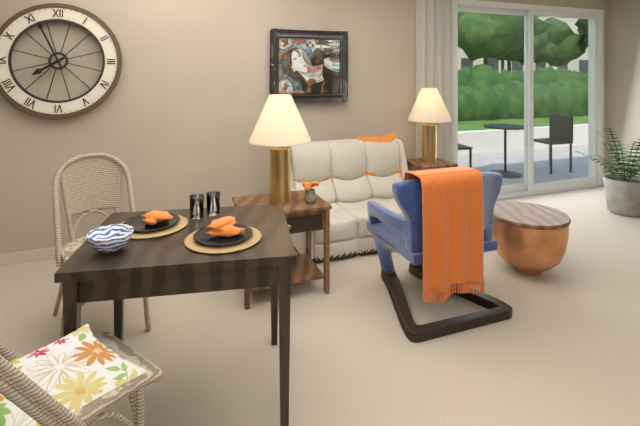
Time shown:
{"hour": 7, "minute": 56}
